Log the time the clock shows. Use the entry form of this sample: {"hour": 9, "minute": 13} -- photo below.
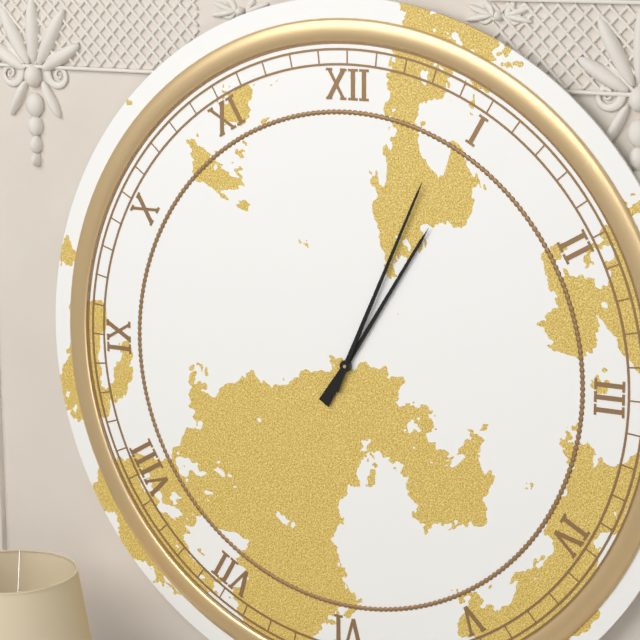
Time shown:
{"hour": 1, "minute": 4}
